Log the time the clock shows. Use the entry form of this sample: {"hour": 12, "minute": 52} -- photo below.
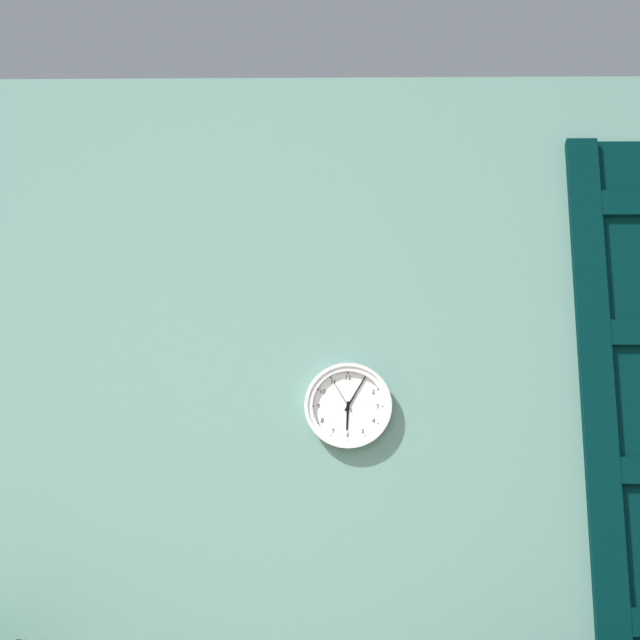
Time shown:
{"hour": 6, "minute": 5}
